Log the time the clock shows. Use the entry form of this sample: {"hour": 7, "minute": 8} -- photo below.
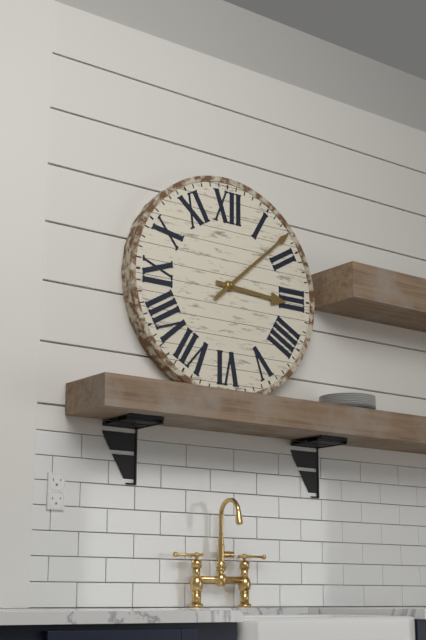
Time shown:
{"hour": 3, "minute": 8}
